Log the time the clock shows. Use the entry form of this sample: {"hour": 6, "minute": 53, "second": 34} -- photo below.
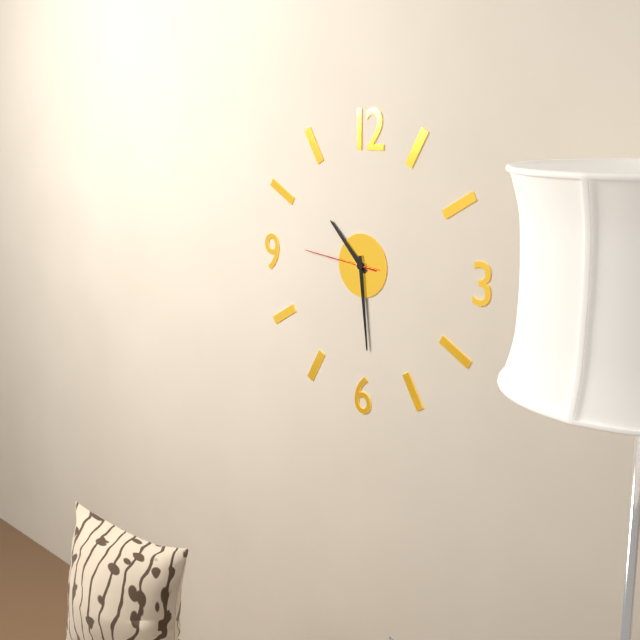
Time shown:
{"hour": 10, "minute": 29, "second": 46}
